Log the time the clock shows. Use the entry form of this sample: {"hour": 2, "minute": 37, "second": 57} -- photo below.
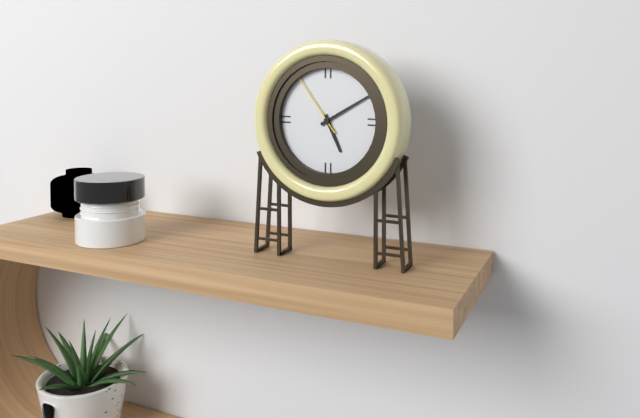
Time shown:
{"hour": 5, "minute": 10, "second": 54}
